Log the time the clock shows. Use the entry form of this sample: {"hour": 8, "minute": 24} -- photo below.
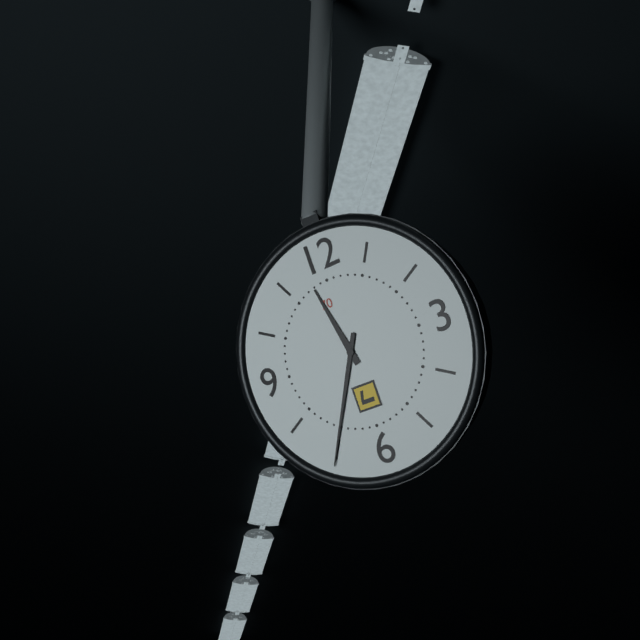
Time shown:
{"hour": 11, "minute": 35}
